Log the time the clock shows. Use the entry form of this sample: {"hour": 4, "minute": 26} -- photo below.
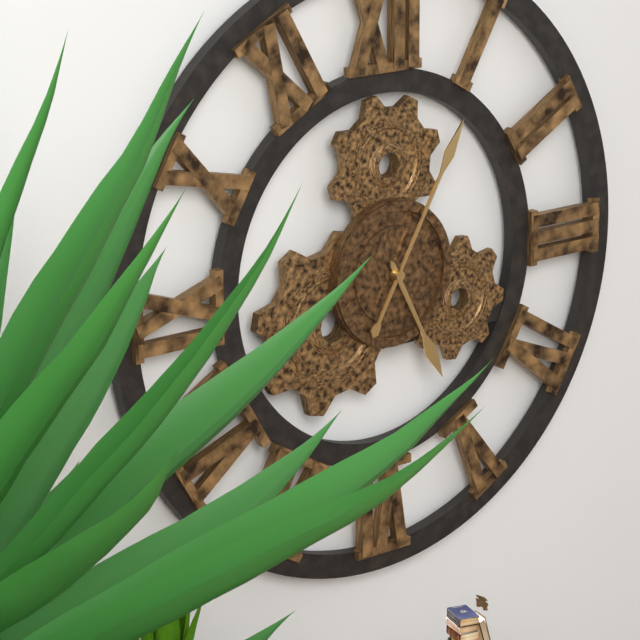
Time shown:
{"hour": 5, "minute": 5}
